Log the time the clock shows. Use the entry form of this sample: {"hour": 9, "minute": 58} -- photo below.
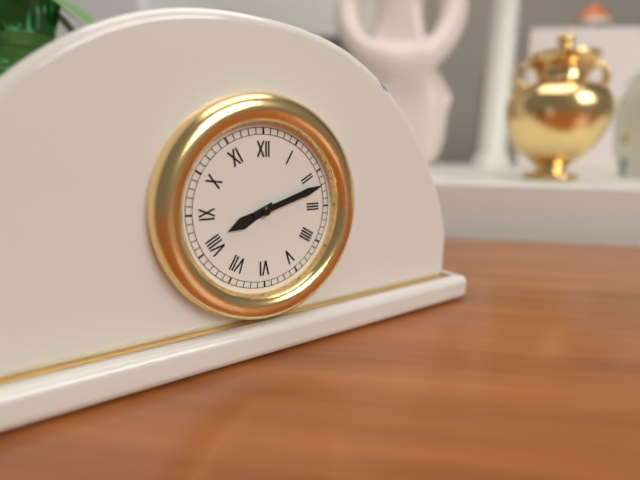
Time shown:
{"hour": 8, "minute": 12}
